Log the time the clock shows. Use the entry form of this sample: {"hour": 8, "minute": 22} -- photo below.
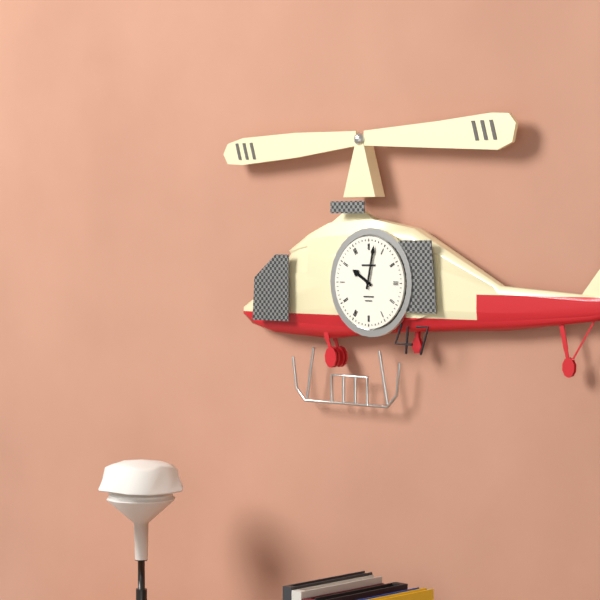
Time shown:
{"hour": 10, "minute": 2}
